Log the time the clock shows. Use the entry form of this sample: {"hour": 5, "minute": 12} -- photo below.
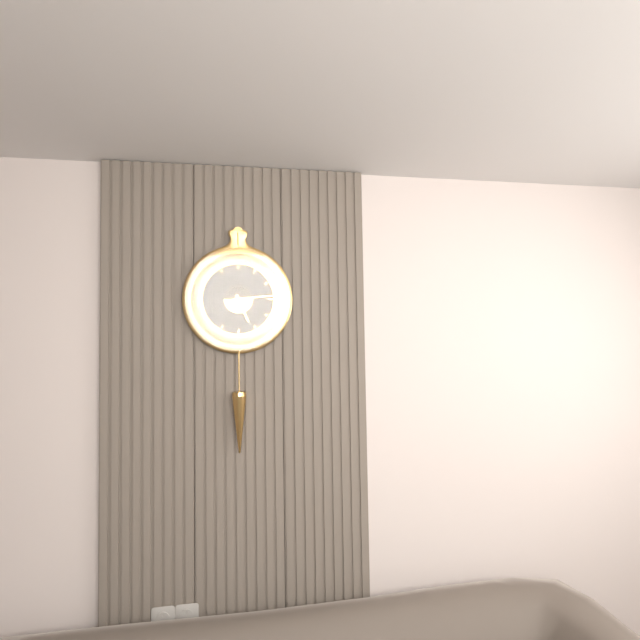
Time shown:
{"hour": 5, "minute": 14}
